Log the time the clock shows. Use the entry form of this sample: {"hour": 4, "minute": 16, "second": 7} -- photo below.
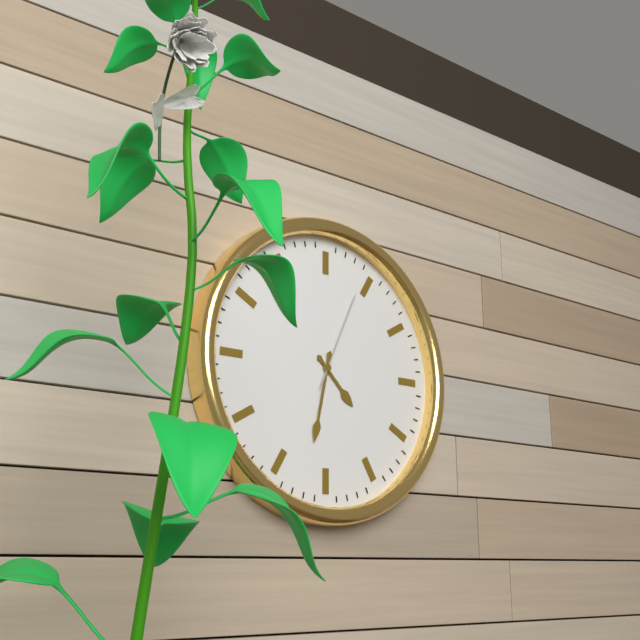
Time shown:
{"hour": 4, "minute": 32, "second": 4}
